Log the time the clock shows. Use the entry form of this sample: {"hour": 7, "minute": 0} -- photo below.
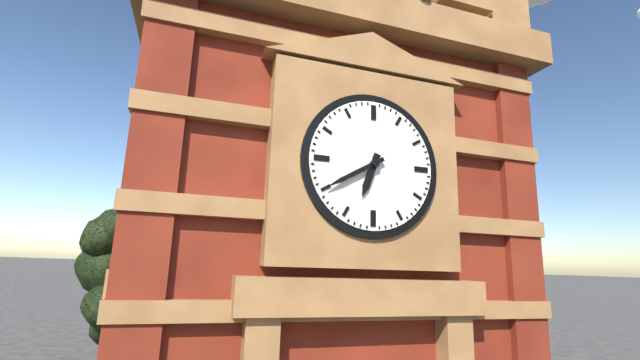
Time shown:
{"hour": 6, "minute": 40}
